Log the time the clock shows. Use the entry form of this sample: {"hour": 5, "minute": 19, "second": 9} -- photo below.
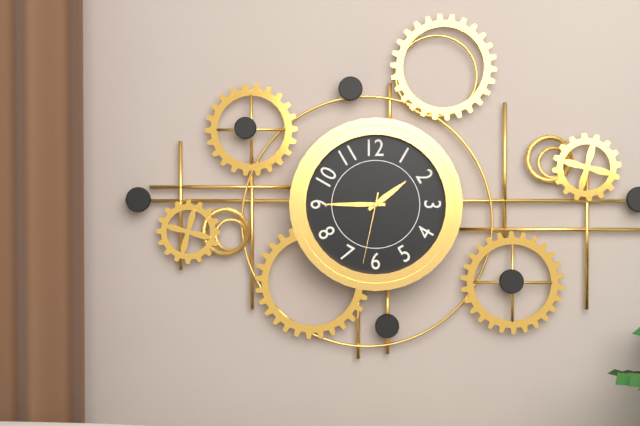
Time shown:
{"hour": 1, "minute": 45, "second": 32}
